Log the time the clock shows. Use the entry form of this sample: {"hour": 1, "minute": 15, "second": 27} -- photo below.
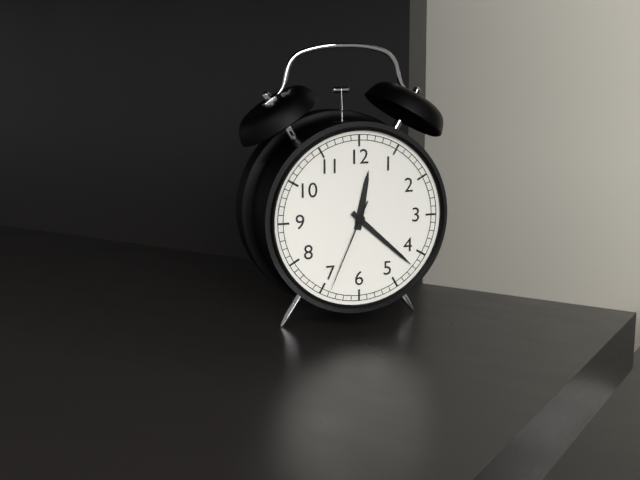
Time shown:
{"hour": 12, "minute": 22, "second": 34}
